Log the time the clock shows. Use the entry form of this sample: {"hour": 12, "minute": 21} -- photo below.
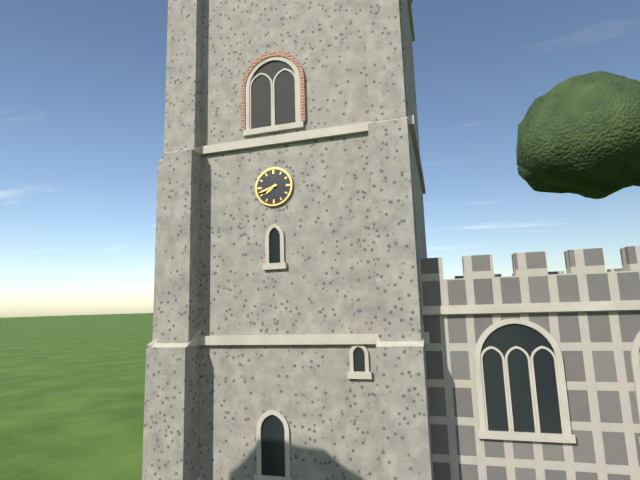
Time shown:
{"hour": 7, "minute": 42}
